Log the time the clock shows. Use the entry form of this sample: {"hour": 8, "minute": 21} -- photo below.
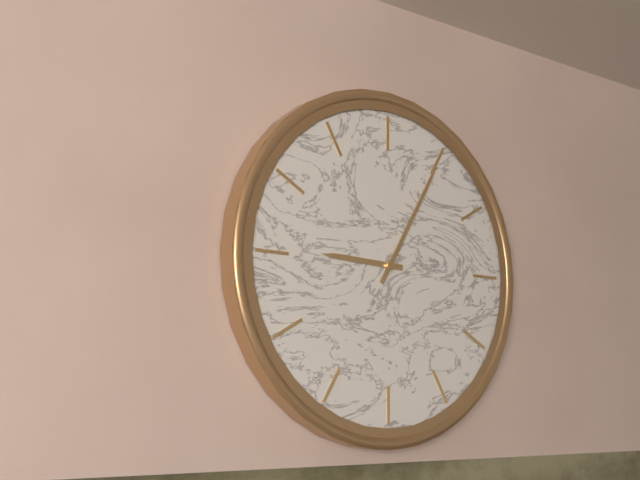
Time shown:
{"hour": 9, "minute": 5}
